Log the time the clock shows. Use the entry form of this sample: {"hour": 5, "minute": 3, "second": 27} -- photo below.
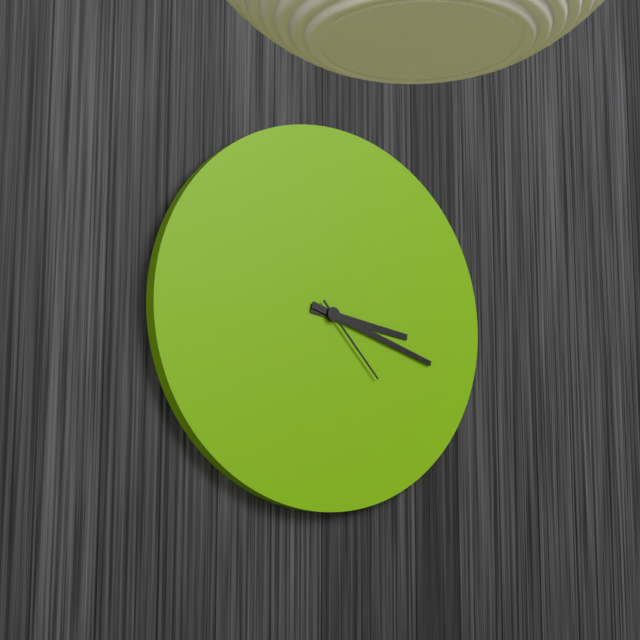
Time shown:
{"hour": 3, "minute": 18, "second": 23}
